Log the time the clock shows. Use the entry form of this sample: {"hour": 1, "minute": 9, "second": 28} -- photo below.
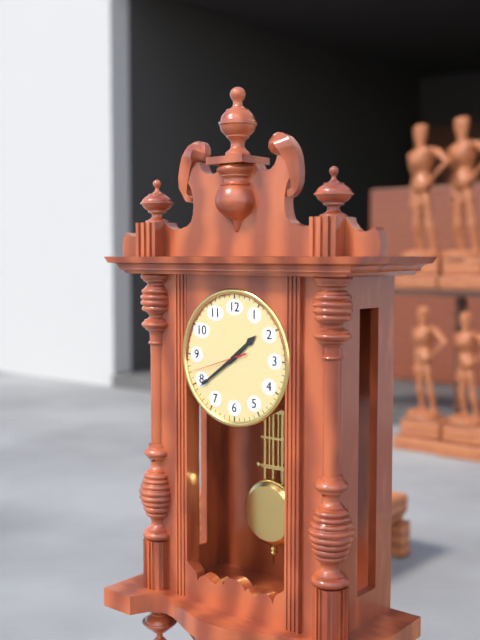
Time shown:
{"hour": 1, "minute": 39, "second": 42}
